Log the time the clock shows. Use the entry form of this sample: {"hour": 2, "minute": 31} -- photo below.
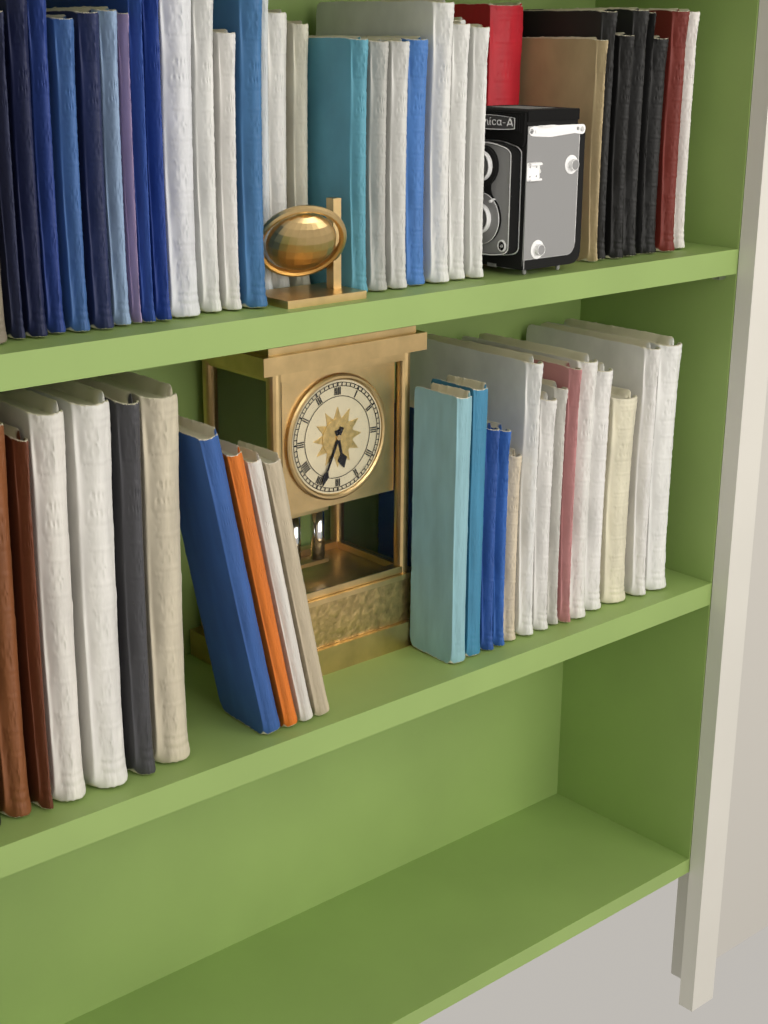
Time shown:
{"hour": 5, "minute": 34}
